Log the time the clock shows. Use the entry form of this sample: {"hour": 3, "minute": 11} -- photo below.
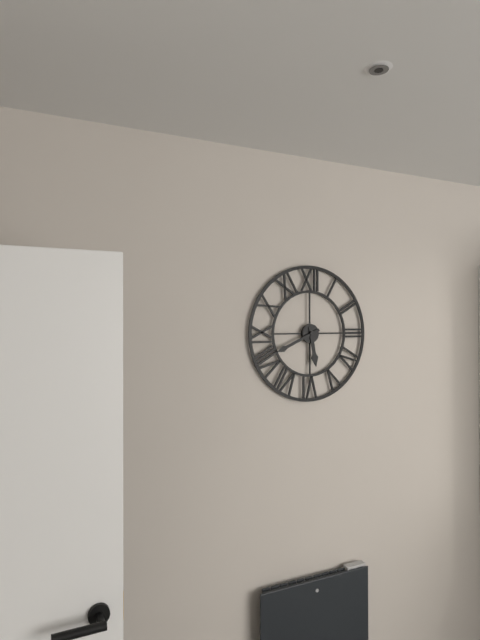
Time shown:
{"hour": 5, "minute": 41}
